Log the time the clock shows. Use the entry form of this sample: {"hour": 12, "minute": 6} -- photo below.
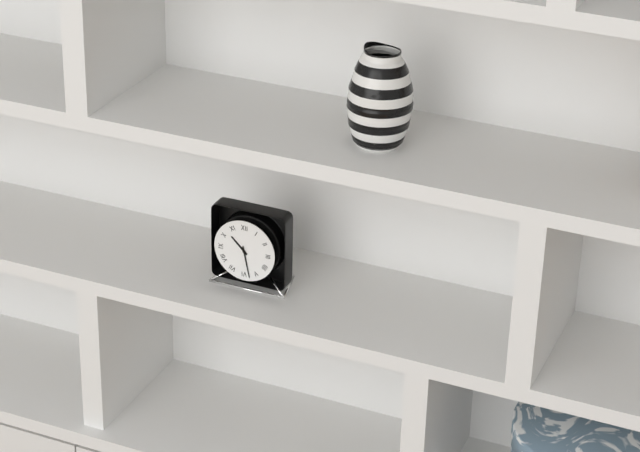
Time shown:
{"hour": 10, "minute": 28}
